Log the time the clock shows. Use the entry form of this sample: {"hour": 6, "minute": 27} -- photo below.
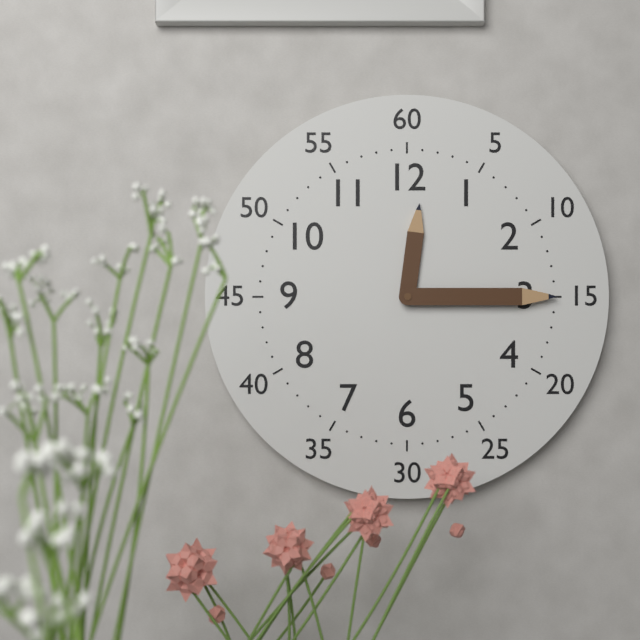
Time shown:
{"hour": 12, "minute": 15}
